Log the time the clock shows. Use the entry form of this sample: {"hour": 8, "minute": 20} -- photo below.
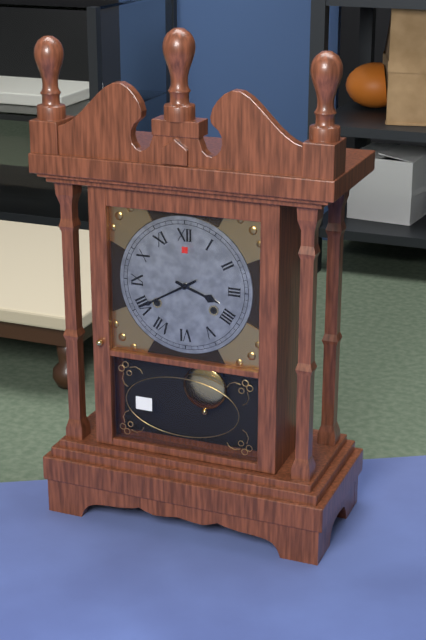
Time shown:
{"hour": 3, "minute": 40}
